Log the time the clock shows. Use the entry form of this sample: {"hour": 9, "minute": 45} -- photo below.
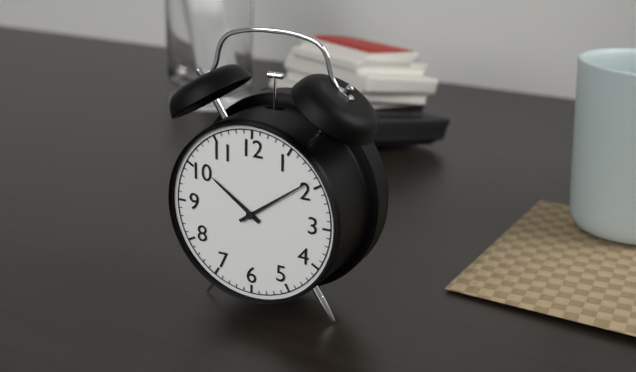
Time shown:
{"hour": 10, "minute": 9}
